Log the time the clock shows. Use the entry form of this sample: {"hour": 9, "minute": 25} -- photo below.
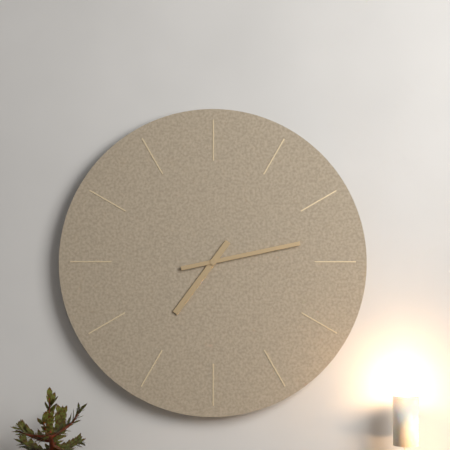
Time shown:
{"hour": 7, "minute": 13}
